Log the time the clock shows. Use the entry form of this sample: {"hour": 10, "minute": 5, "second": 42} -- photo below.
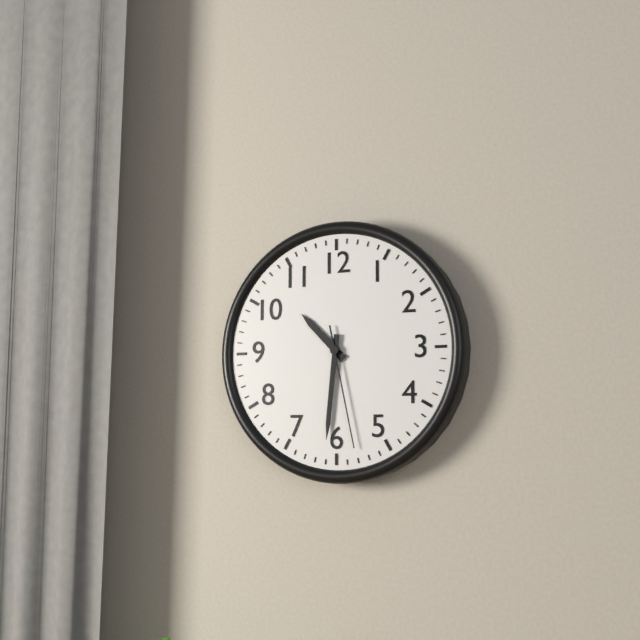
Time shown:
{"hour": 10, "minute": 31, "second": 28}
